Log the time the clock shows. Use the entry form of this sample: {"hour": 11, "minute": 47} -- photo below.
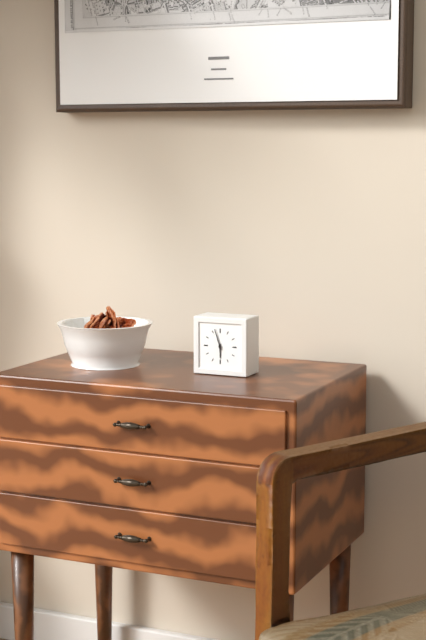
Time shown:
{"hour": 5, "minute": 57}
